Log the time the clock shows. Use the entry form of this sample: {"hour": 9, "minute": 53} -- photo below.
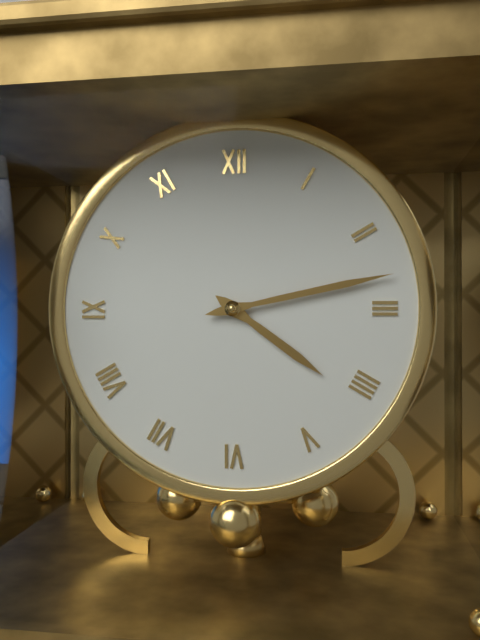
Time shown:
{"hour": 4, "minute": 13}
